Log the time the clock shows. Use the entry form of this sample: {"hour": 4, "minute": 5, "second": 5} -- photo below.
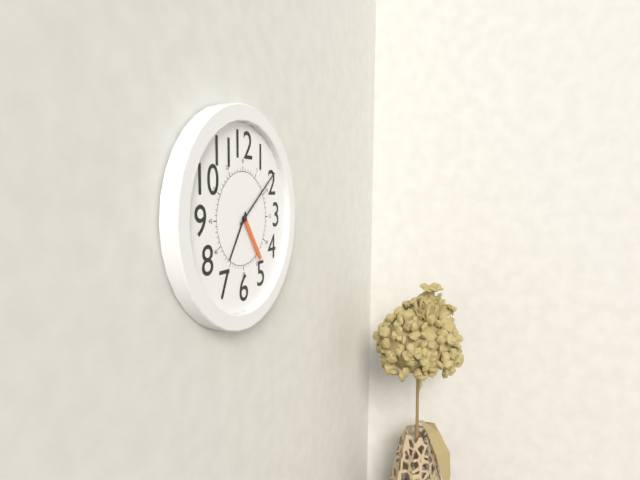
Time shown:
{"hour": 7, "minute": 9, "second": 24}
